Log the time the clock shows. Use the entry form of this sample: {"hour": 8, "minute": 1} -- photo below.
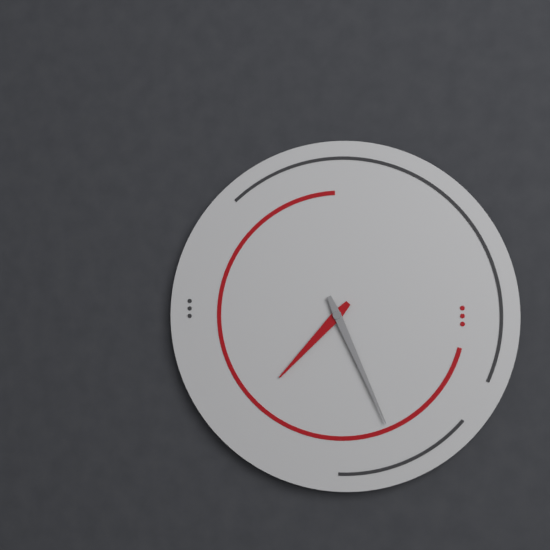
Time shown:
{"hour": 7, "minute": 26}
